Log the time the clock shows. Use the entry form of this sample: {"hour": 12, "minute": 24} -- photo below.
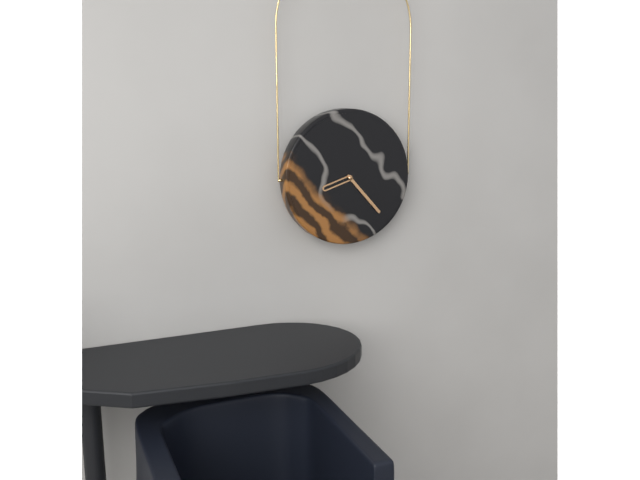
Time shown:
{"hour": 8, "minute": 23}
